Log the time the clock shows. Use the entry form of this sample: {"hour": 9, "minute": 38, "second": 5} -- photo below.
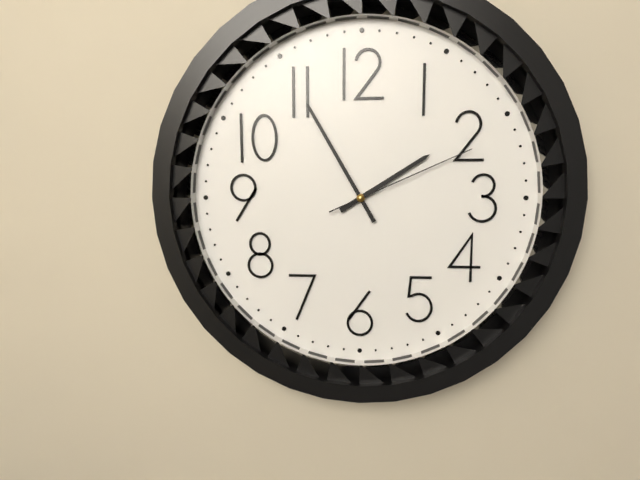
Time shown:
{"hour": 1, "minute": 55, "second": 11}
